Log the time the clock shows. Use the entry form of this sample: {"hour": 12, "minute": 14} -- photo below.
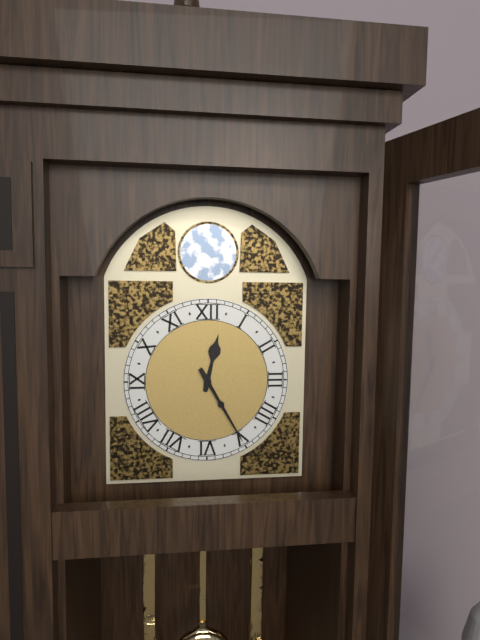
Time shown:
{"hour": 12, "minute": 25}
